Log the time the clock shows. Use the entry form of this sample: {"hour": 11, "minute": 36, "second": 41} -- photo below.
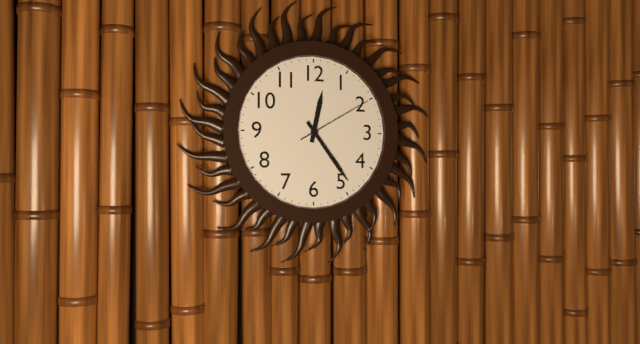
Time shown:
{"hour": 12, "minute": 24, "second": 10}
